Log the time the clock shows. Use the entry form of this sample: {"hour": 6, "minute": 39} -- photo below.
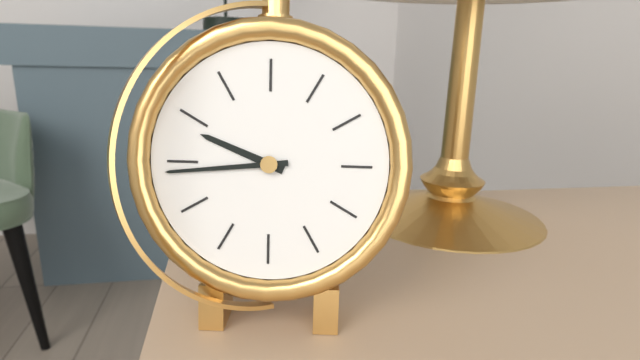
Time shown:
{"hour": 9, "minute": 44}
